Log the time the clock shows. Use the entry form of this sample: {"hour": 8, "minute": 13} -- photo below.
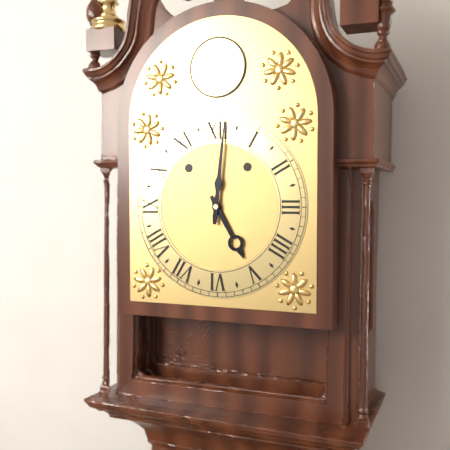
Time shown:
{"hour": 5, "minute": 1}
